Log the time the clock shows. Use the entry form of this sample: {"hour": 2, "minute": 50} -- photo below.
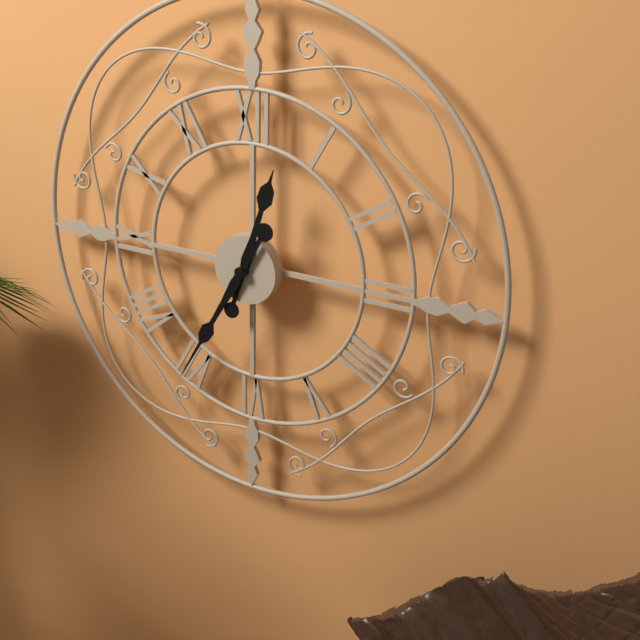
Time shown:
{"hour": 12, "minute": 35}
